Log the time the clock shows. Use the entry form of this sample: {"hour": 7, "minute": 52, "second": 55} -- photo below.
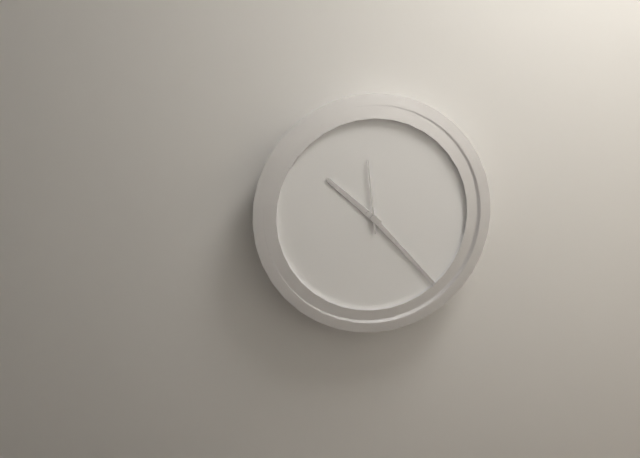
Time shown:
{"hour": 10, "minute": 23, "second": 59}
